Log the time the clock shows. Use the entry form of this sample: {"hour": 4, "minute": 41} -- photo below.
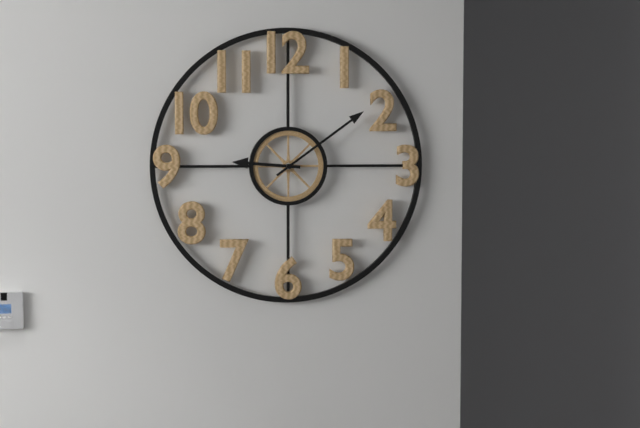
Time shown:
{"hour": 9, "minute": 9}
